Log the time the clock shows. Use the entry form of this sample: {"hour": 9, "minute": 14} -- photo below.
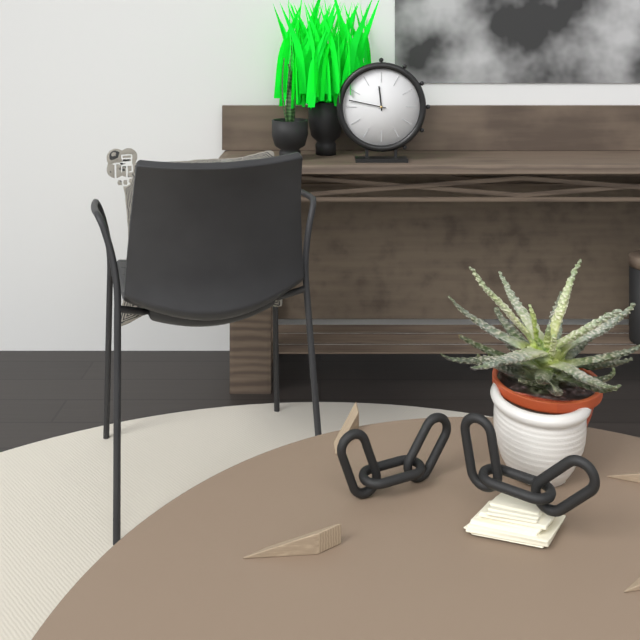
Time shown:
{"hour": 11, "minute": 47}
